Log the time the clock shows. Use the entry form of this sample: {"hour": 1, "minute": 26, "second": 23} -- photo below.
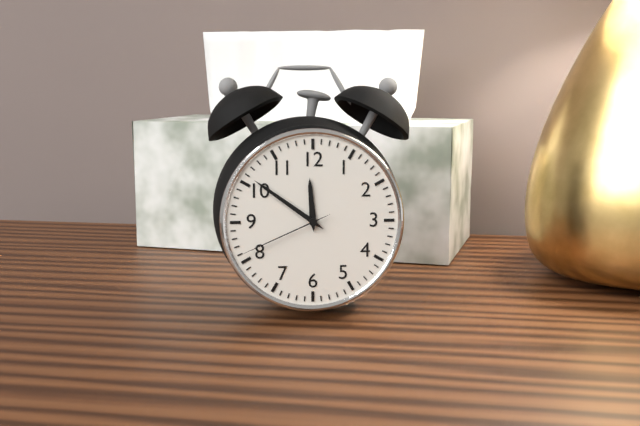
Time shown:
{"hour": 11, "minute": 51, "second": 41}
